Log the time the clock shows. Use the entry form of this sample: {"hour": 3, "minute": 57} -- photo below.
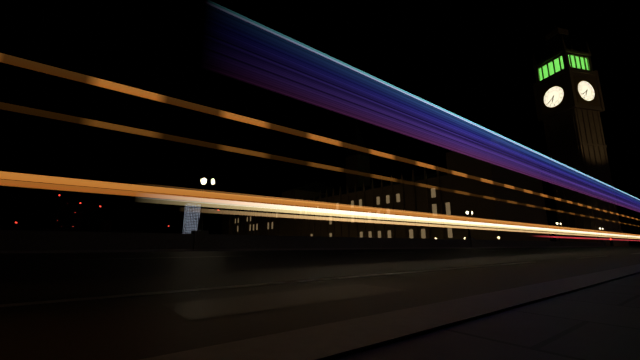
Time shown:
{"hour": 6, "minute": 39}
